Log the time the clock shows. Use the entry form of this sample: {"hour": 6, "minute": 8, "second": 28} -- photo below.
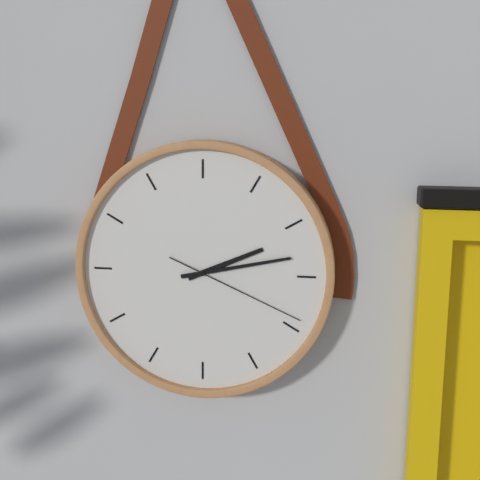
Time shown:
{"hour": 2, "minute": 13, "second": 19}
